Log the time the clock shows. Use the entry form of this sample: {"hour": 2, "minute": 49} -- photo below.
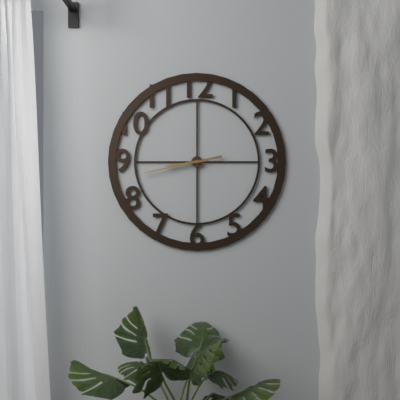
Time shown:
{"hour": 8, "minute": 43}
